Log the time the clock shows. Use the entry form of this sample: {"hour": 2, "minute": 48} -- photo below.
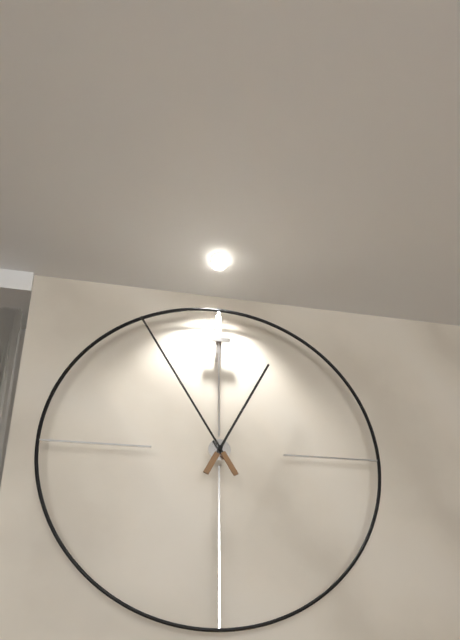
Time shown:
{"hour": 12, "minute": 55}
